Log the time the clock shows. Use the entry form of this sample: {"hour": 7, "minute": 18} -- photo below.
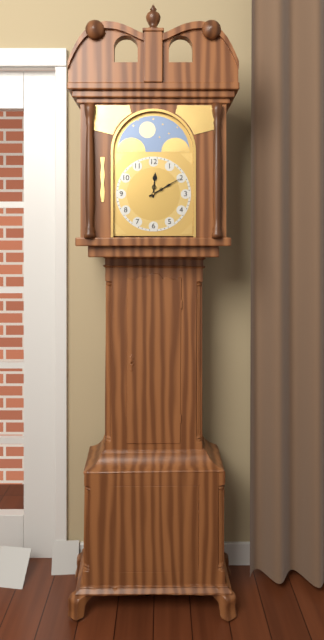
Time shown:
{"hour": 12, "minute": 10}
